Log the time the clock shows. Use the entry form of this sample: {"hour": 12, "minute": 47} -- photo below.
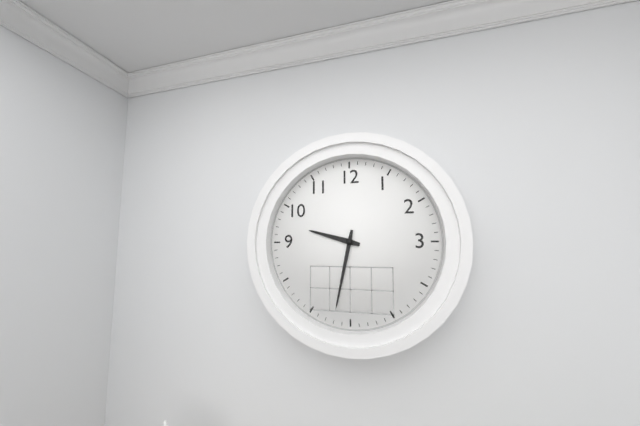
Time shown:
{"hour": 9, "minute": 32}
